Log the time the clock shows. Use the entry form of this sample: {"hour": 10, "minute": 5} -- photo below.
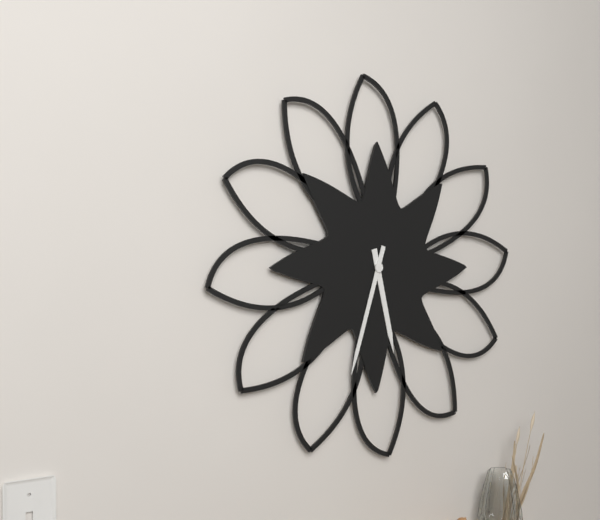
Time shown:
{"hour": 5, "minute": 33}
